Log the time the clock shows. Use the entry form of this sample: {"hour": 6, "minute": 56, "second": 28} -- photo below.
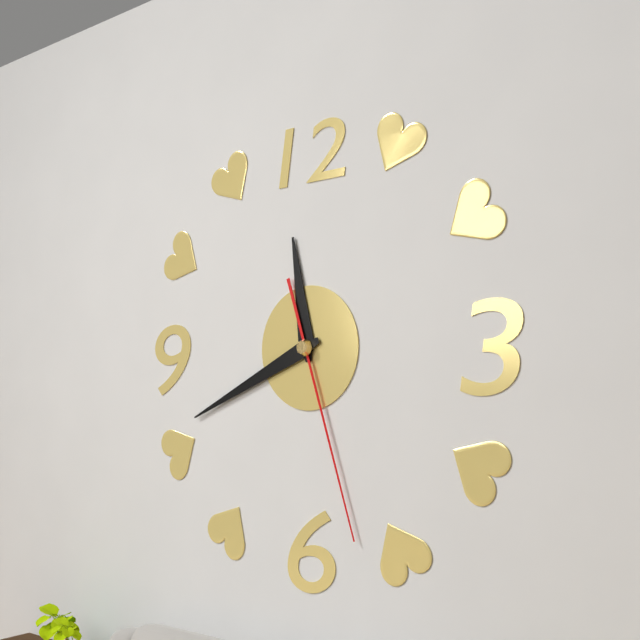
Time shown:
{"hour": 11, "minute": 41, "second": 27}
